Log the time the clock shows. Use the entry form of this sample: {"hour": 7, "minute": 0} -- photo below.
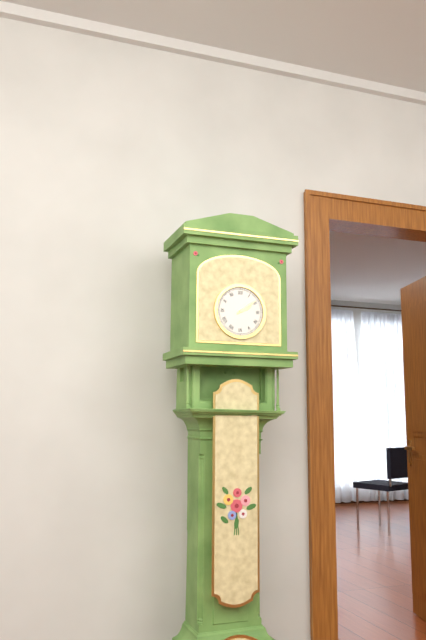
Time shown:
{"hour": 2, "minute": 9}
